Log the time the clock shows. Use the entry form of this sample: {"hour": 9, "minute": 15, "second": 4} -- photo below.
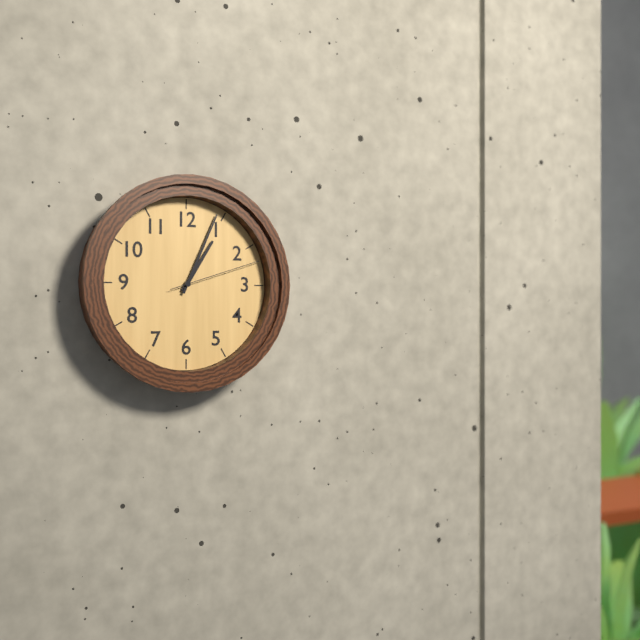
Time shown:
{"hour": 1, "minute": 4, "second": 12}
